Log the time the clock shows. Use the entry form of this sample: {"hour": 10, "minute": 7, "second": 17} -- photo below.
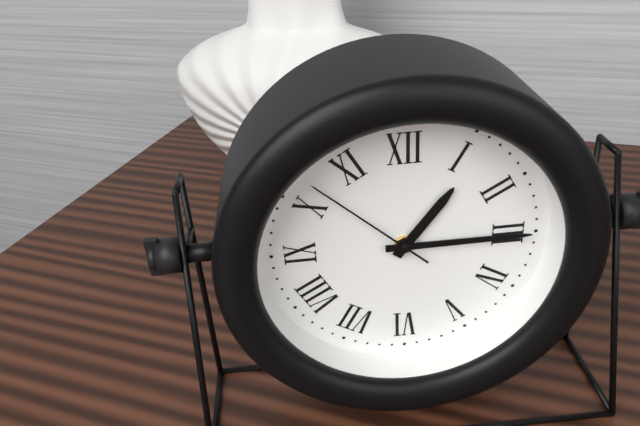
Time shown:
{"hour": 1, "minute": 15, "second": 52}
